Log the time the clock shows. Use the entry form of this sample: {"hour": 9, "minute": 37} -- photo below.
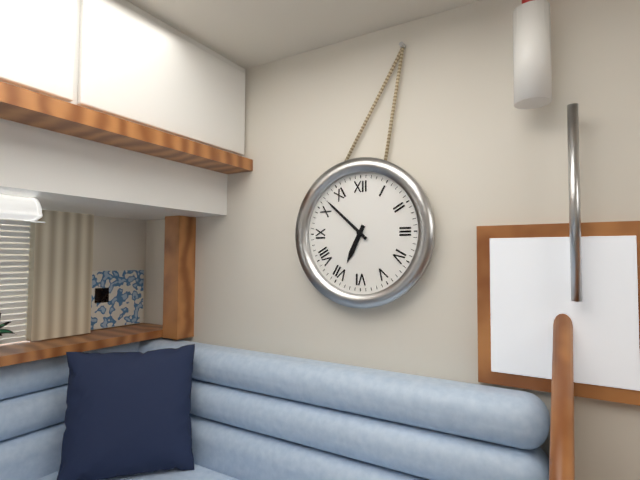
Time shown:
{"hour": 6, "minute": 52}
